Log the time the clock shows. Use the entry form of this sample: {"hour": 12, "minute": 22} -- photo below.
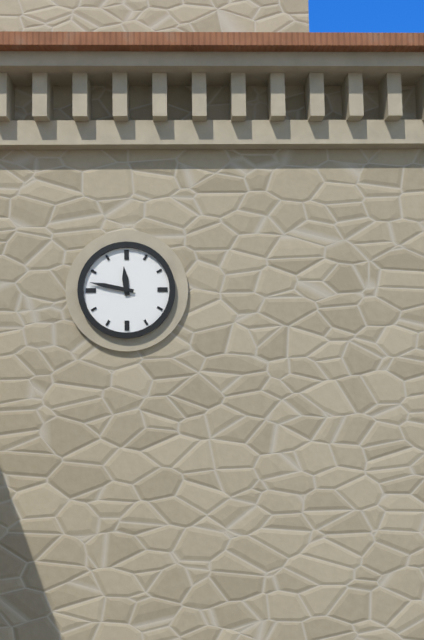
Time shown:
{"hour": 11, "minute": 47}
